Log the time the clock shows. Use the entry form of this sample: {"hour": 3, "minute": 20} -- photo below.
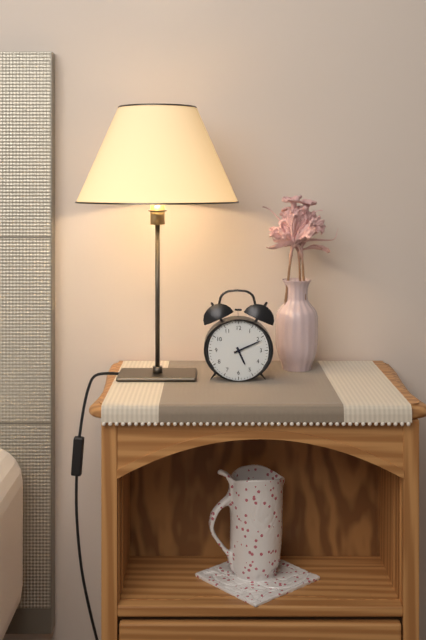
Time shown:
{"hour": 5, "minute": 11}
